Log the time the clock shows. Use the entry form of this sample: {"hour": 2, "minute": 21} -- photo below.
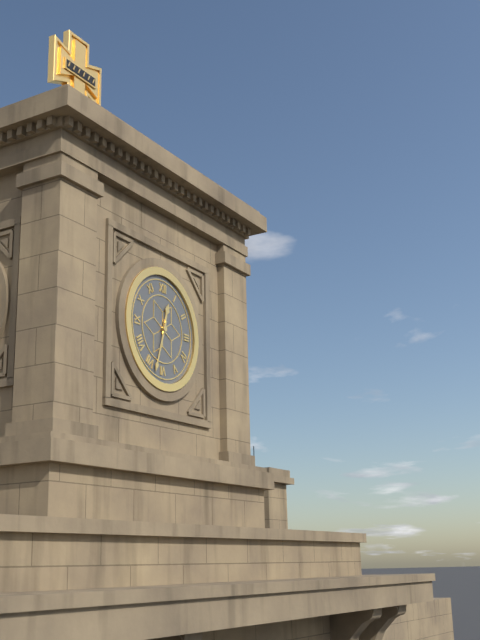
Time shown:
{"hour": 12, "minute": 33}
